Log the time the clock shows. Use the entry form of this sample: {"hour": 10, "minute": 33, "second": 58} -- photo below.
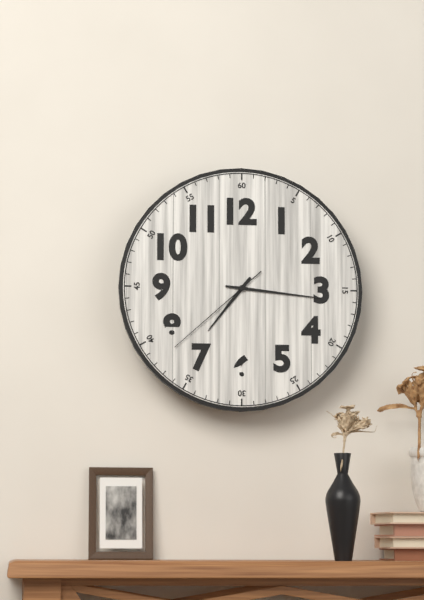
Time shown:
{"hour": 7, "minute": 16, "second": 38}
